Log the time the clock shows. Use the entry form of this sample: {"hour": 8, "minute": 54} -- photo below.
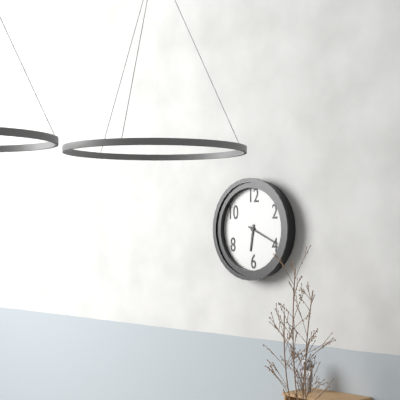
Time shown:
{"hour": 6, "minute": 19}
